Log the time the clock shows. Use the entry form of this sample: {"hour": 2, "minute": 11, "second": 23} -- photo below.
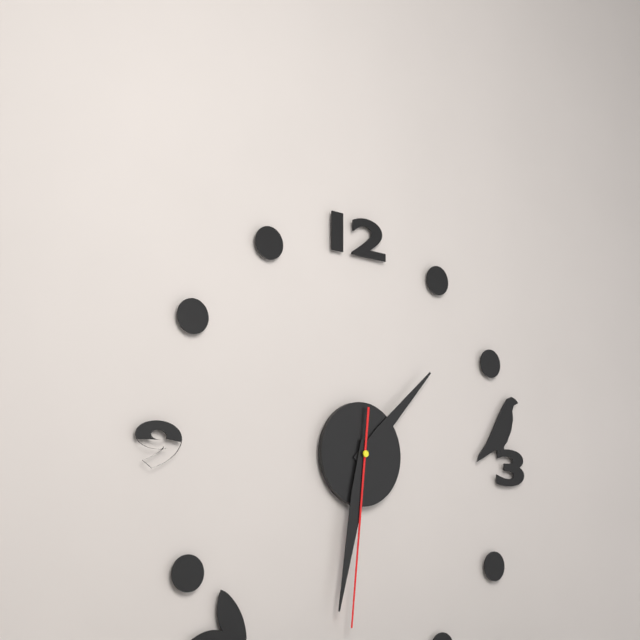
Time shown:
{"hour": 1, "minute": 32, "second": 31}
